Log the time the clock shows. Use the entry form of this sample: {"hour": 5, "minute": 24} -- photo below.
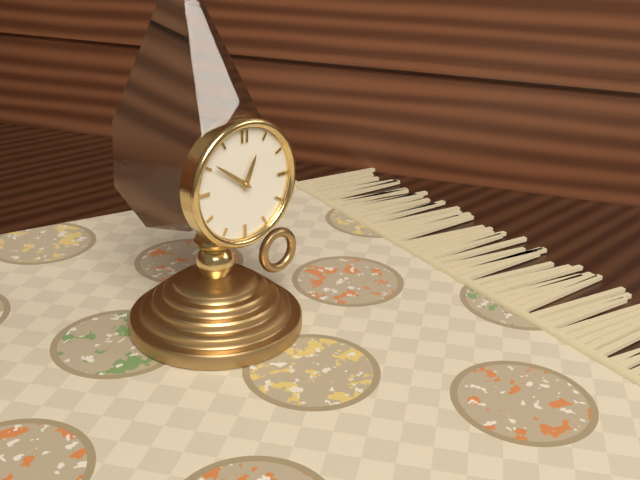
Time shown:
{"hour": 12, "minute": 51}
